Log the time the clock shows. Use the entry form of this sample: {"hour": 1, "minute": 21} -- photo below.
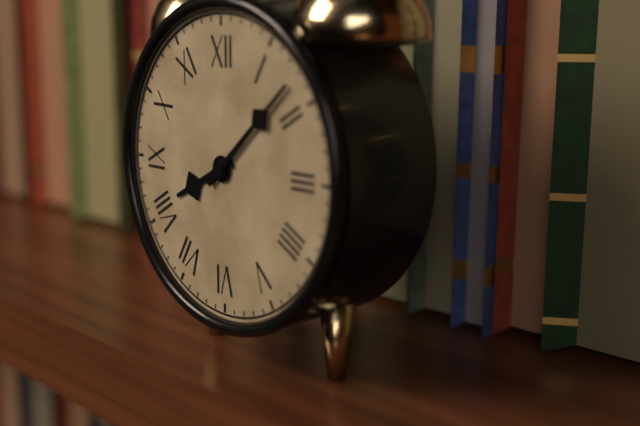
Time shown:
{"hour": 8, "minute": 8}
